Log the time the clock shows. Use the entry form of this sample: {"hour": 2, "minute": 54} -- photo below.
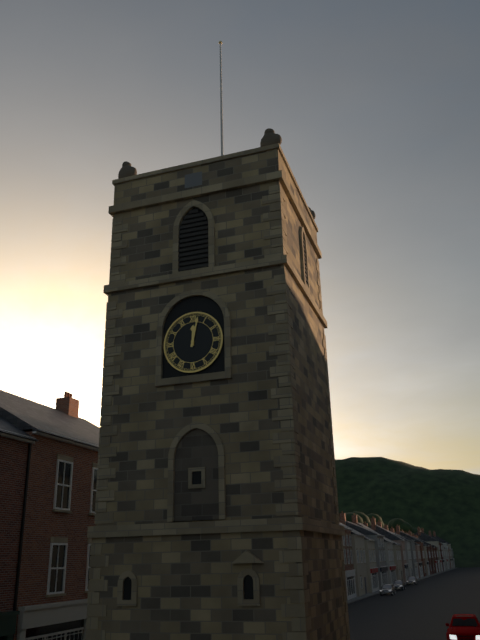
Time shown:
{"hour": 12, "minute": 2}
